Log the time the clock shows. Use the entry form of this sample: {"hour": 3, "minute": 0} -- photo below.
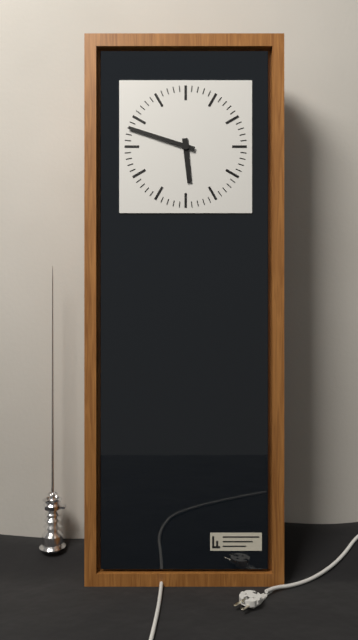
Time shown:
{"hour": 5, "minute": 48}
